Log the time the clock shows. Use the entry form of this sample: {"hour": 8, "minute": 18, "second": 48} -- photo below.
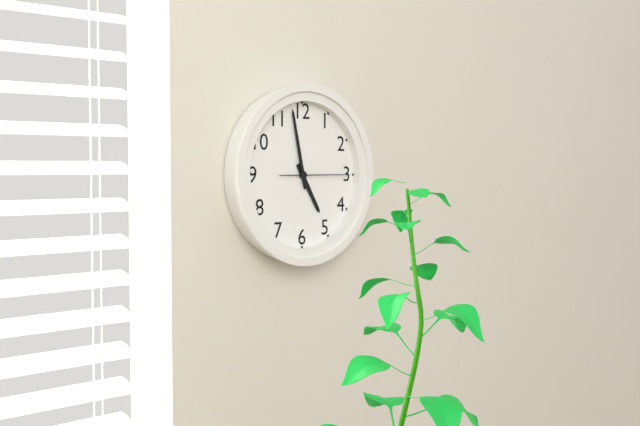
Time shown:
{"hour": 4, "minute": 58, "second": 15}
